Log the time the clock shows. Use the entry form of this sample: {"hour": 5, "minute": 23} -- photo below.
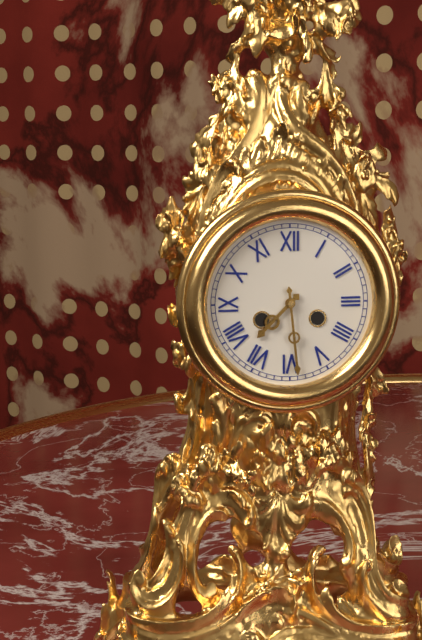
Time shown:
{"hour": 7, "minute": 29}
